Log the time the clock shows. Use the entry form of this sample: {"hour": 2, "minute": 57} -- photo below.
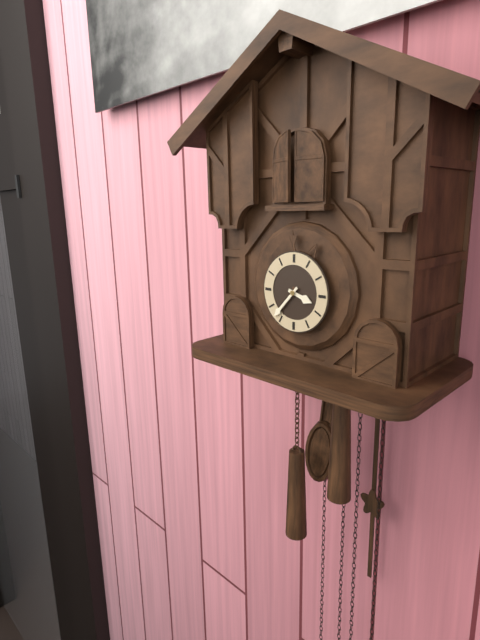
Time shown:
{"hour": 3, "minute": 37}
